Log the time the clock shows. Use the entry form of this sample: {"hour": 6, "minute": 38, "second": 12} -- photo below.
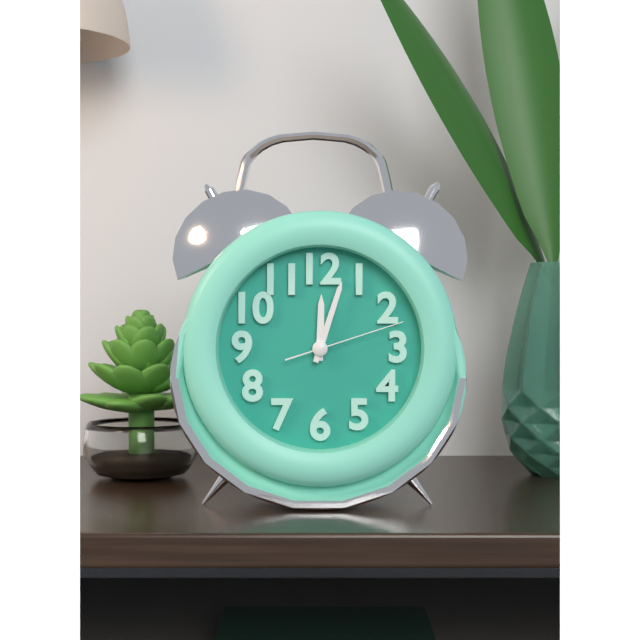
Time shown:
{"hour": 12, "minute": 3, "second": 12}
